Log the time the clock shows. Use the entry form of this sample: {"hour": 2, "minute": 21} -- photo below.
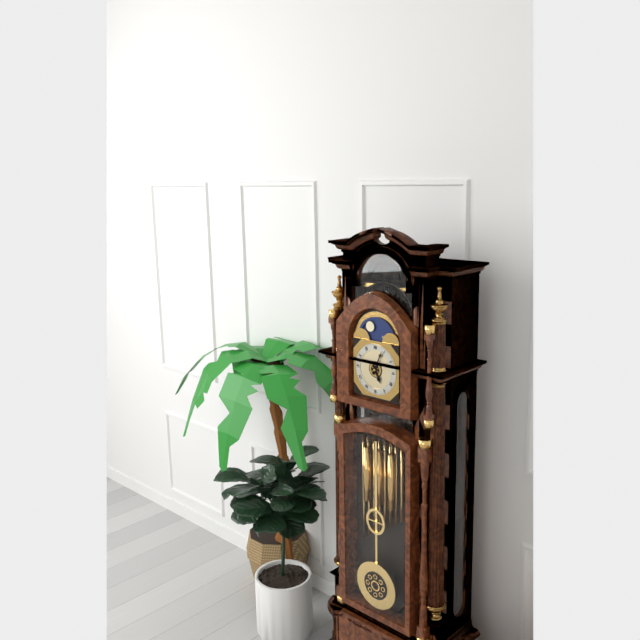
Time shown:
{"hour": 5, "minute": 4}
